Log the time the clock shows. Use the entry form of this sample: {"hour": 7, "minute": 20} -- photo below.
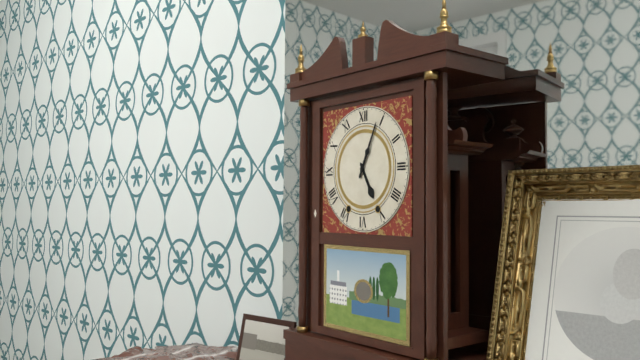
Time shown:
{"hour": 5, "minute": 4}
